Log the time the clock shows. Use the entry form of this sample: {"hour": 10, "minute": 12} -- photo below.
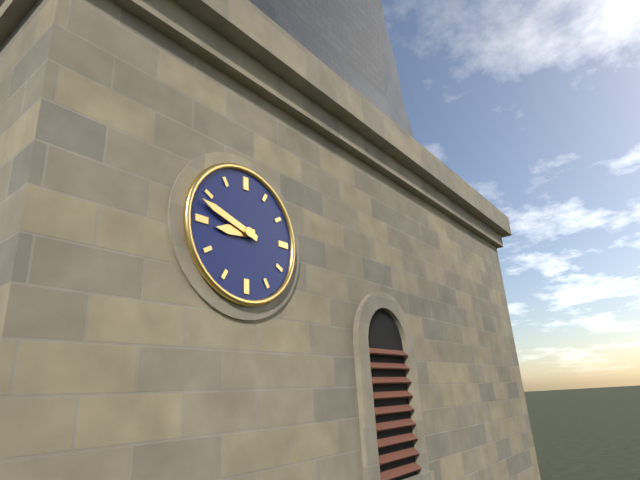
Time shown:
{"hour": 8, "minute": 48}
